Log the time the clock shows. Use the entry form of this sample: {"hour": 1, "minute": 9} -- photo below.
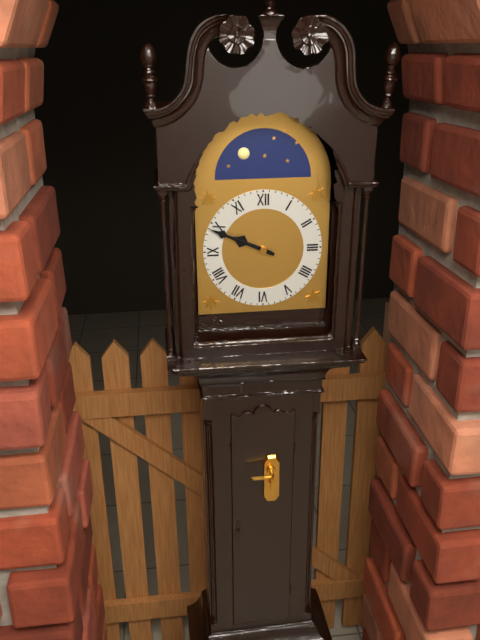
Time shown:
{"hour": 9, "minute": 49}
